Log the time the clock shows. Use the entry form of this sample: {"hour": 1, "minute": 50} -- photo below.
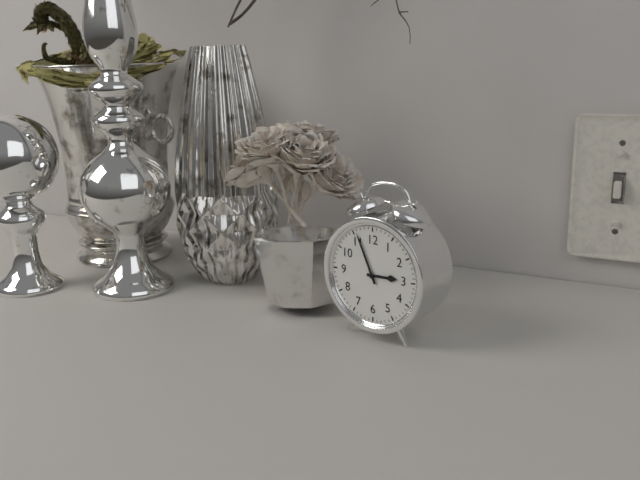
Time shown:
{"hour": 2, "minute": 56}
